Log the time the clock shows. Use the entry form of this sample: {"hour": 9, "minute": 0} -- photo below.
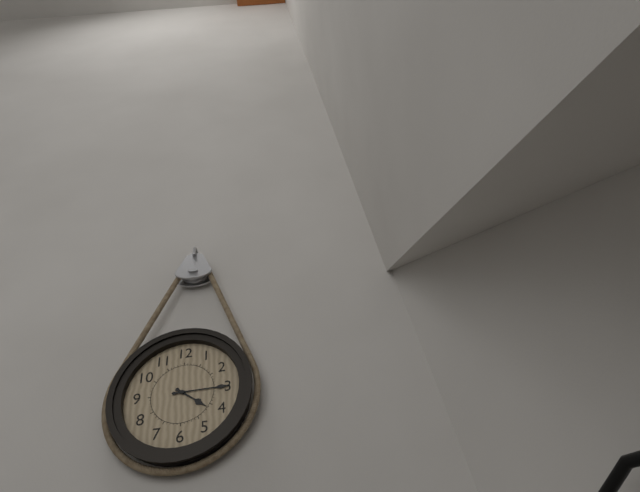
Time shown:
{"hour": 4, "minute": 15}
